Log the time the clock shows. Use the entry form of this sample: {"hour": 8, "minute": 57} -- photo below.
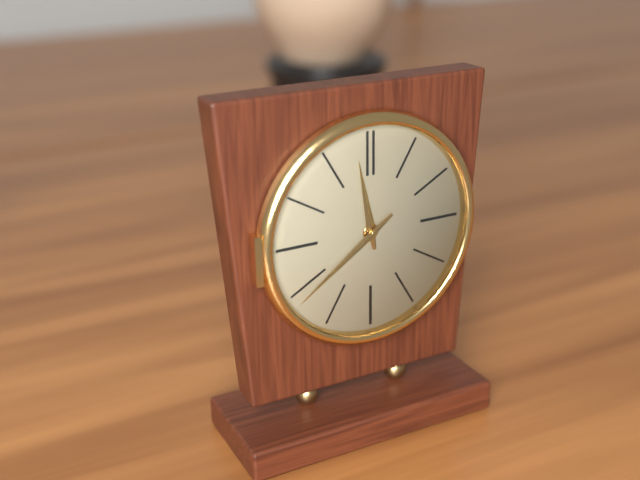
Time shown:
{"hour": 11, "minute": 39}
